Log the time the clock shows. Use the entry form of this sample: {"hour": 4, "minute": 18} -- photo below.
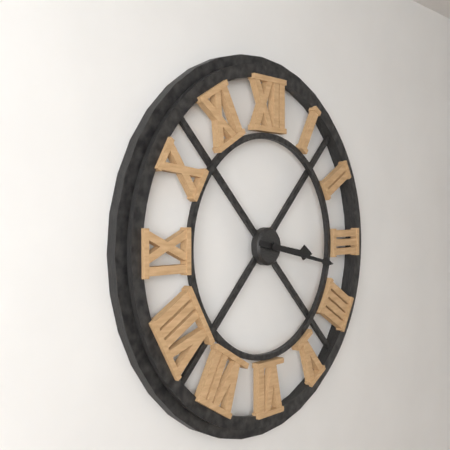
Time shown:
{"hour": 3, "minute": 17}
